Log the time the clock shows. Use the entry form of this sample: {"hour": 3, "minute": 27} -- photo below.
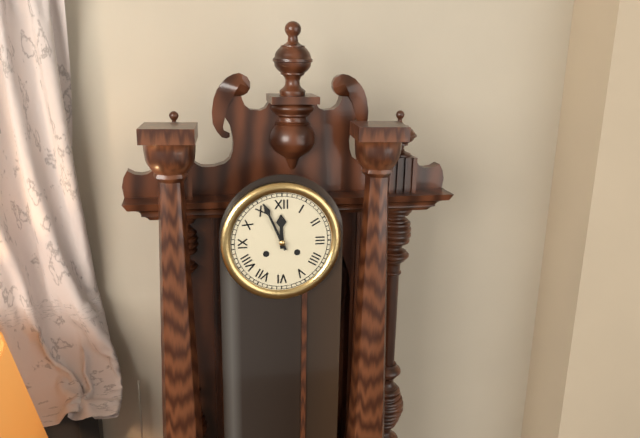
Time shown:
{"hour": 11, "minute": 56}
